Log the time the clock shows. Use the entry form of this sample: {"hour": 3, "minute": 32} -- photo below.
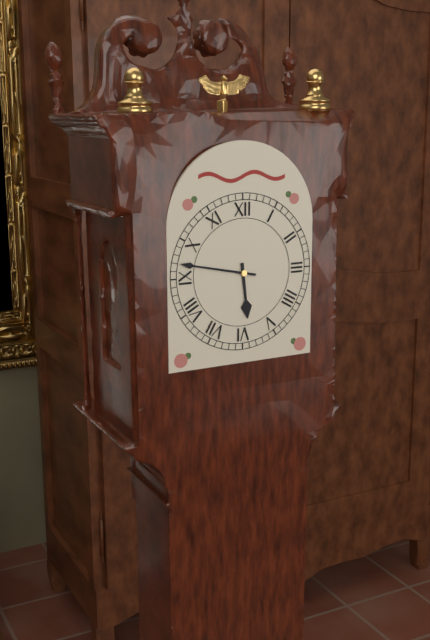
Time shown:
{"hour": 5, "minute": 47}
